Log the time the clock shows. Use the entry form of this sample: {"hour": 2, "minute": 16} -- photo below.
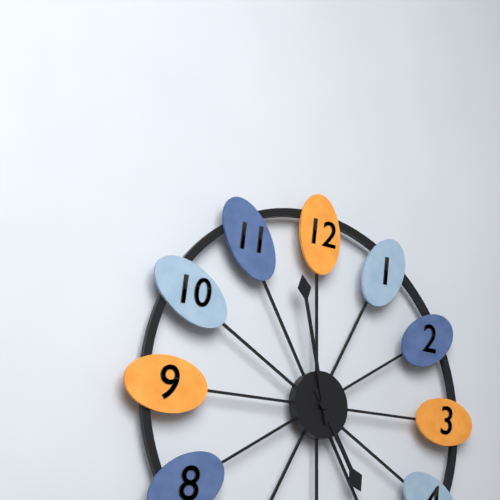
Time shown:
{"hour": 4, "minute": 58}
